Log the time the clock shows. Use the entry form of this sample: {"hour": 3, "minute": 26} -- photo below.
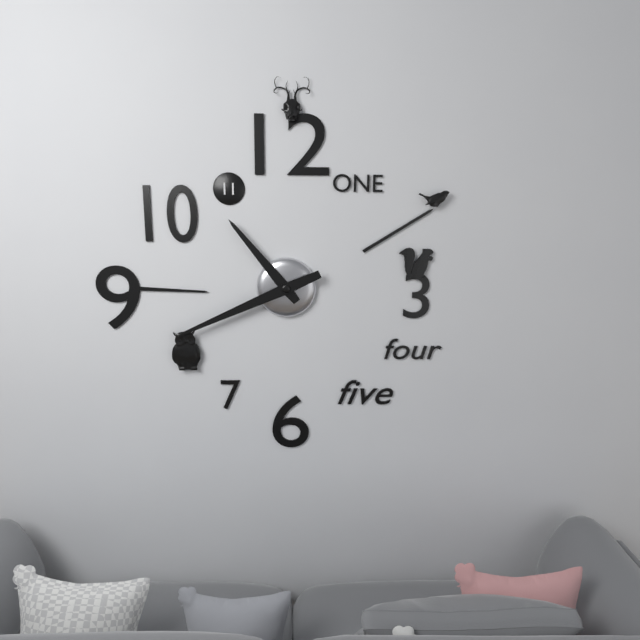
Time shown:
{"hour": 10, "minute": 41}
